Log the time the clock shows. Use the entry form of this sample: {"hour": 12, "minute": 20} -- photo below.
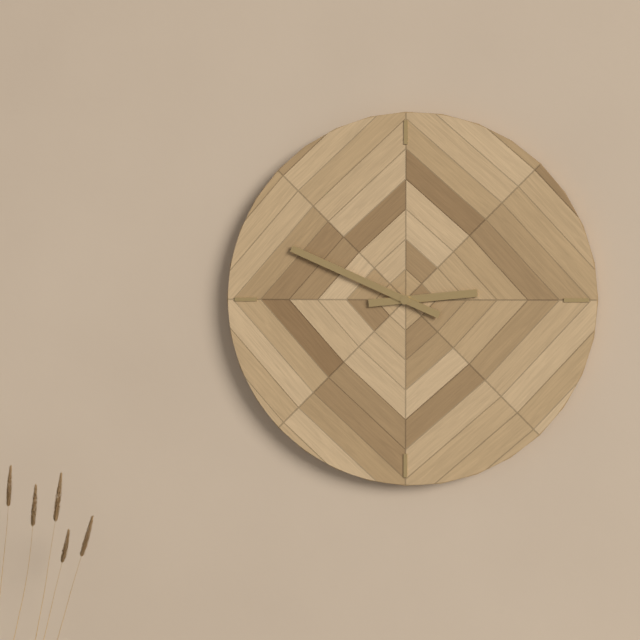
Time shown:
{"hour": 2, "minute": 49}
